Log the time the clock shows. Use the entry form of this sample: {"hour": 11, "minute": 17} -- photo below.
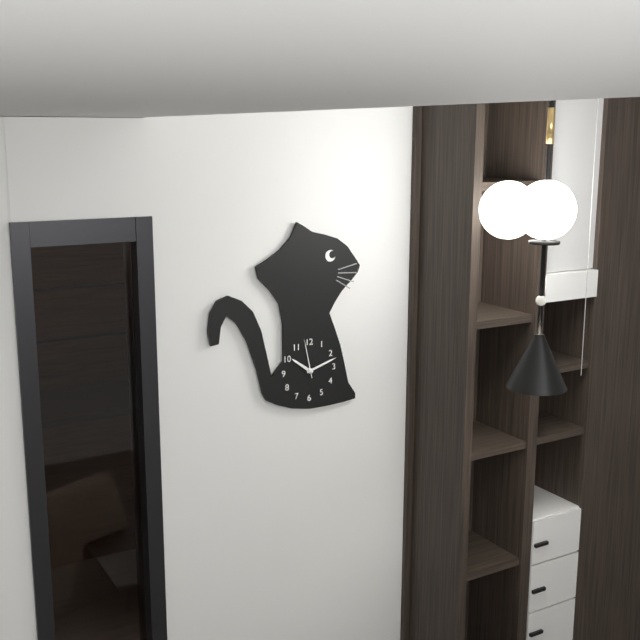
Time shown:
{"hour": 10, "minute": 12}
